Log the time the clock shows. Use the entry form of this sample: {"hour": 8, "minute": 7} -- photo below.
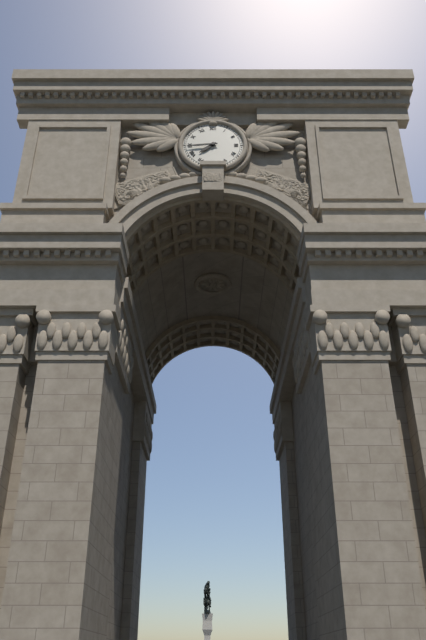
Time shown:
{"hour": 7, "minute": 44}
